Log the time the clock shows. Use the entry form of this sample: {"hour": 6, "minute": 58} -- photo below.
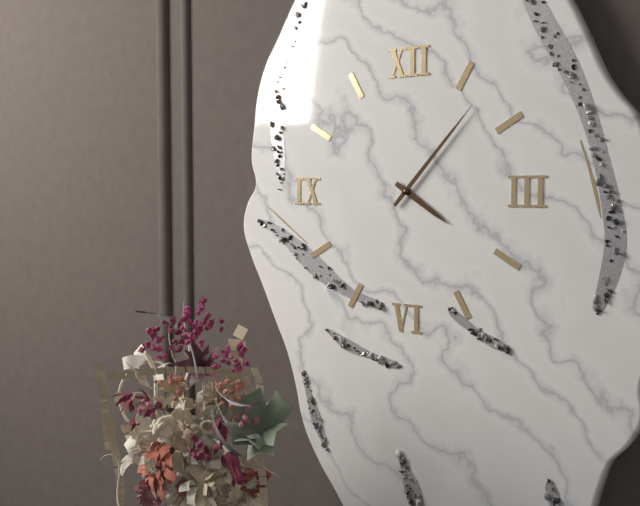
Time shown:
{"hour": 4, "minute": 7}
